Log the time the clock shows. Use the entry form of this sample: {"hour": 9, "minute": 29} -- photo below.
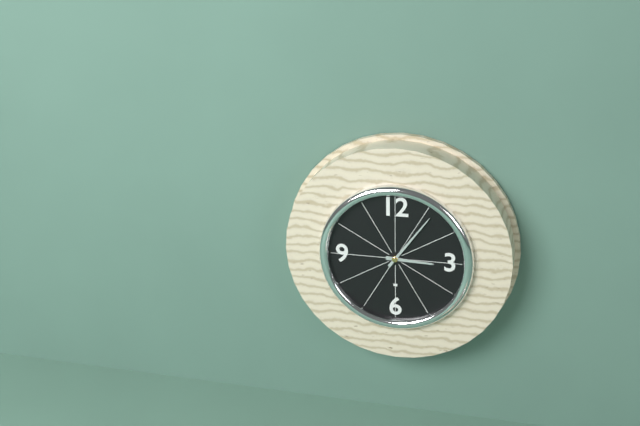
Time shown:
{"hour": 3, "minute": 6}
